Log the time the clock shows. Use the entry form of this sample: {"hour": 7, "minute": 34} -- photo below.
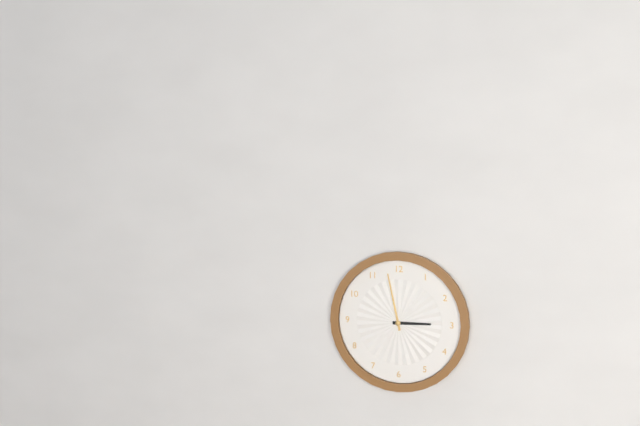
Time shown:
{"hour": 2, "minute": 58}
